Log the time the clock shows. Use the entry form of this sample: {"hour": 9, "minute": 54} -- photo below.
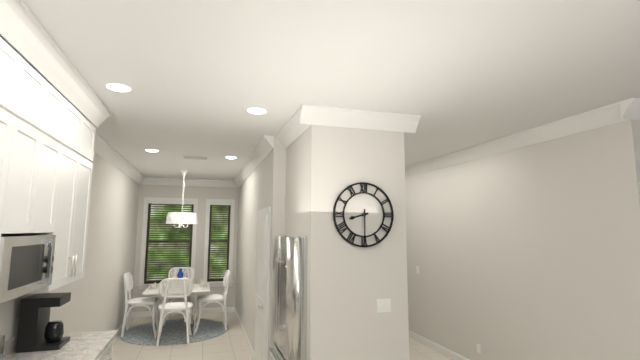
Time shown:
{"hour": 8, "minute": 30}
